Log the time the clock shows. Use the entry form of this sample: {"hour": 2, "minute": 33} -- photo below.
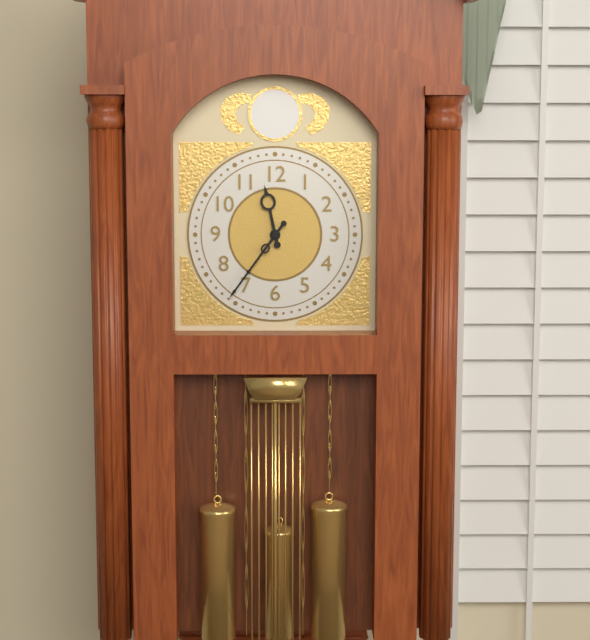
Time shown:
{"hour": 11, "minute": 36}
